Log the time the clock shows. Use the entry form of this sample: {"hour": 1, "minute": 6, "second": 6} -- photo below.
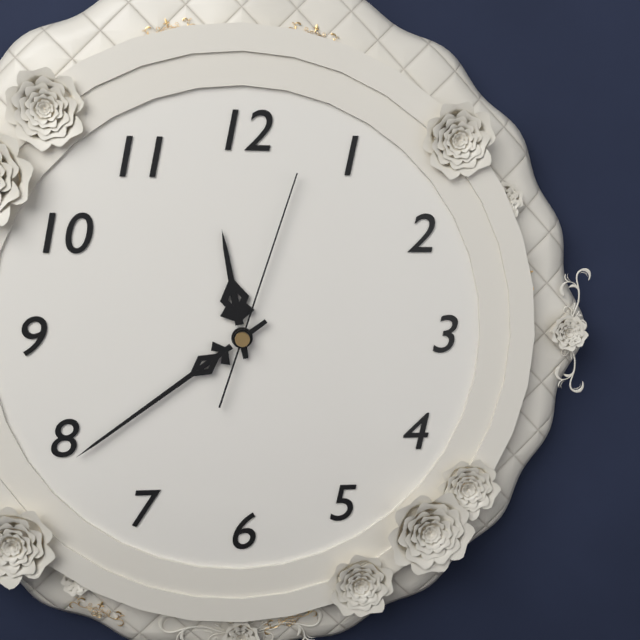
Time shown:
{"hour": 11, "minute": 39, "second": 3}
